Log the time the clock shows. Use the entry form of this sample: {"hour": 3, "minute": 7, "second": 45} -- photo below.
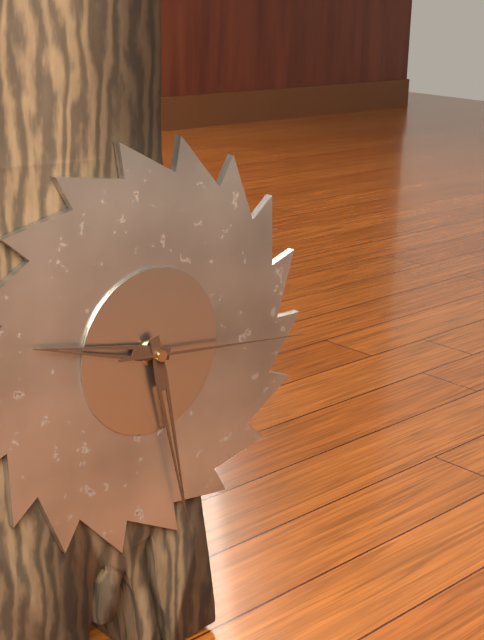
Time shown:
{"hour": 9, "minute": 28, "second": 16}
